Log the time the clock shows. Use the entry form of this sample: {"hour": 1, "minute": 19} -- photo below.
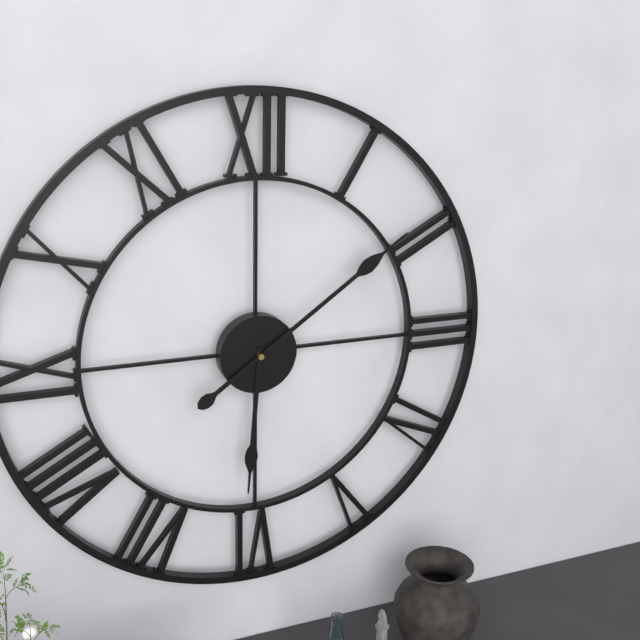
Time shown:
{"hour": 6, "minute": 9}
